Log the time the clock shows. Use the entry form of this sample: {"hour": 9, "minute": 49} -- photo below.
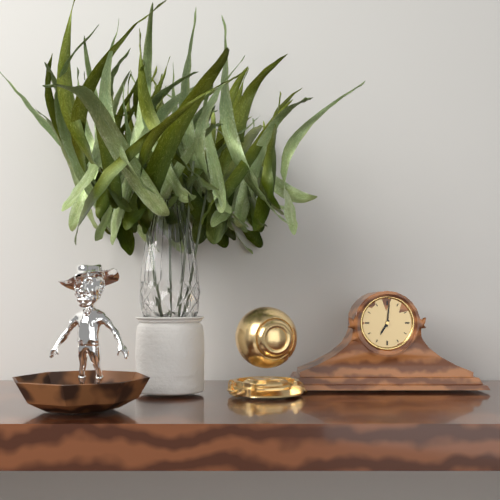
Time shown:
{"hour": 7, "minute": 1}
